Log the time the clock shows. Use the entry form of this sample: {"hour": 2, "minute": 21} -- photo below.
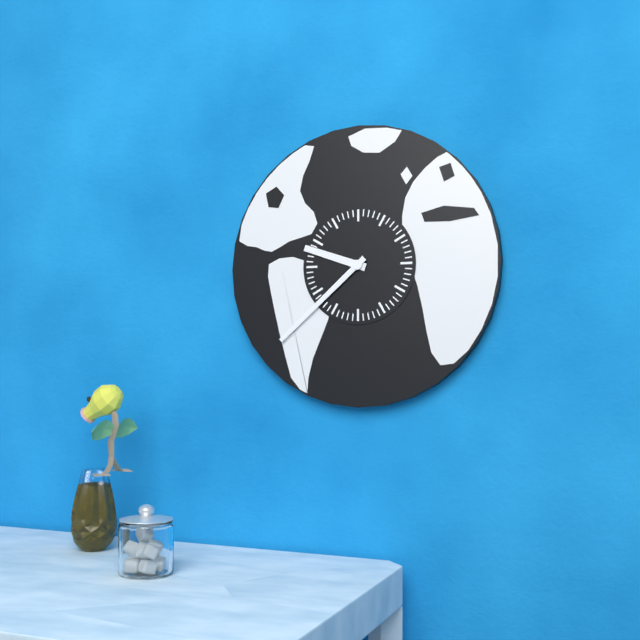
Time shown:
{"hour": 9, "minute": 38}
